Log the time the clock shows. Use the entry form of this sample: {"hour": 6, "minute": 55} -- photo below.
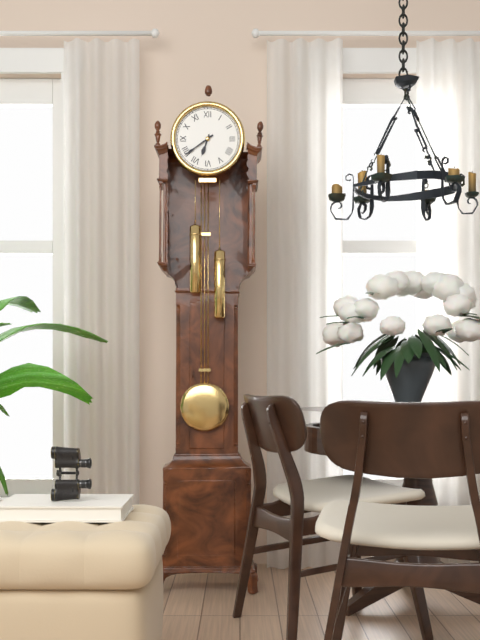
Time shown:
{"hour": 6, "minute": 39}
